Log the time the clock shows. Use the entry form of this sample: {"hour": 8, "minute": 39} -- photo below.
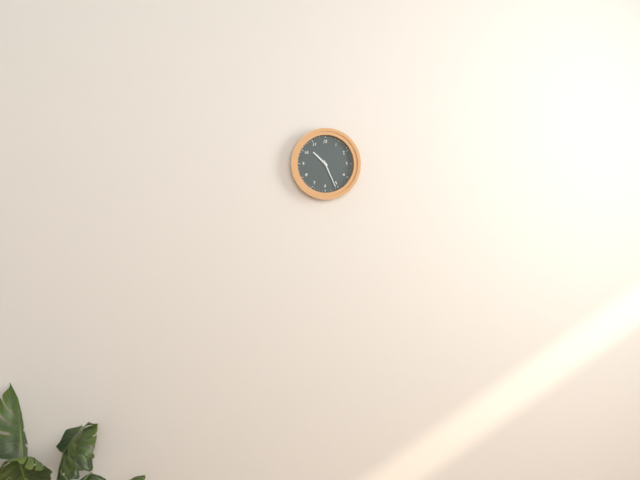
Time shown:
{"hour": 10, "minute": 26}
